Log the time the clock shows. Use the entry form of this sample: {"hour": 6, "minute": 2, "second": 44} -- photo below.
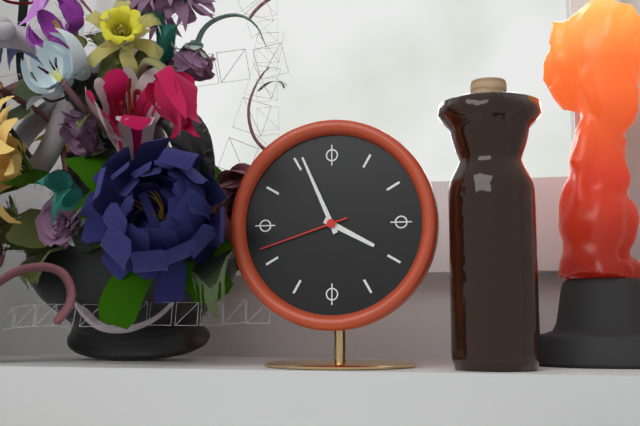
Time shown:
{"hour": 3, "minute": 56, "second": 42}
